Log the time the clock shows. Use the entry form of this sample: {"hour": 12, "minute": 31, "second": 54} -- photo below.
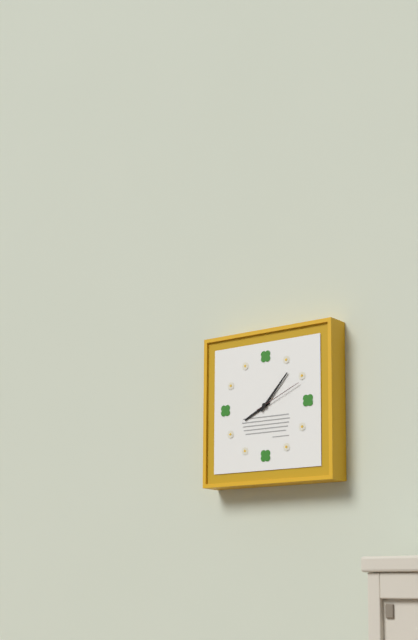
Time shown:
{"hour": 8, "minute": 7, "second": 11}
